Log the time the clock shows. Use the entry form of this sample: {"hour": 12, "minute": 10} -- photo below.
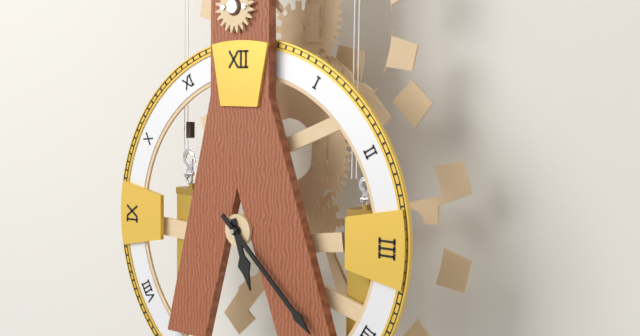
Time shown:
{"hour": 5, "minute": 22}
